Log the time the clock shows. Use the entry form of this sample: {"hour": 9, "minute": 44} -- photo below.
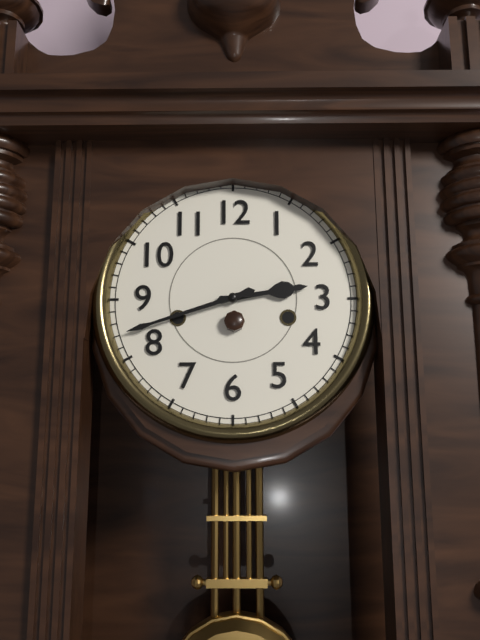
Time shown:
{"hour": 2, "minute": 42}
